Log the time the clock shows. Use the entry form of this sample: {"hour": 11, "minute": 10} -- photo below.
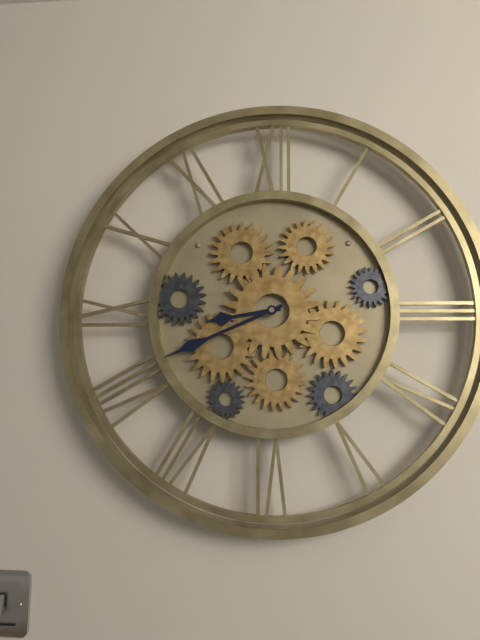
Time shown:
{"hour": 8, "minute": 41}
